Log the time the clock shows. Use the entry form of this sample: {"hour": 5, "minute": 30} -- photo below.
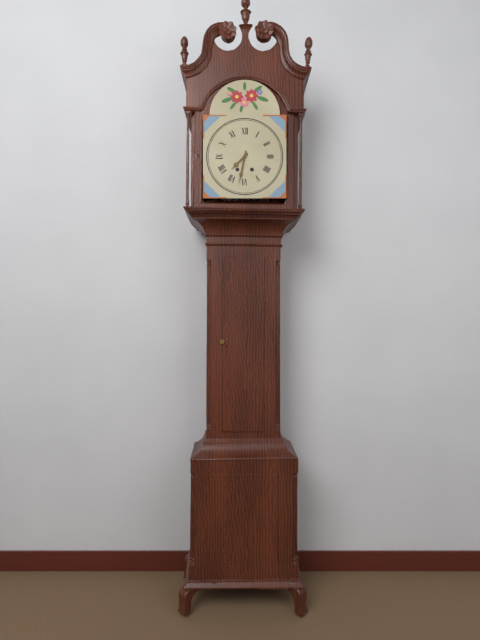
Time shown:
{"hour": 7, "minute": 32}
